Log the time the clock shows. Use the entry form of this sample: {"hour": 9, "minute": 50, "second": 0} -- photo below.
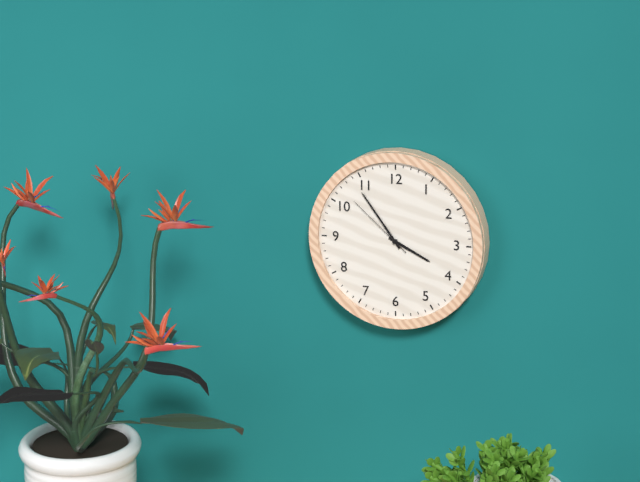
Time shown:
{"hour": 3, "minute": 54, "second": 52}
